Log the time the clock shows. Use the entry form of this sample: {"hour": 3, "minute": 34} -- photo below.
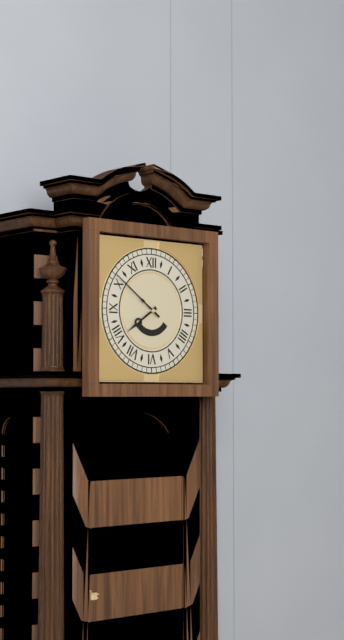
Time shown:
{"hour": 7, "minute": 51}
